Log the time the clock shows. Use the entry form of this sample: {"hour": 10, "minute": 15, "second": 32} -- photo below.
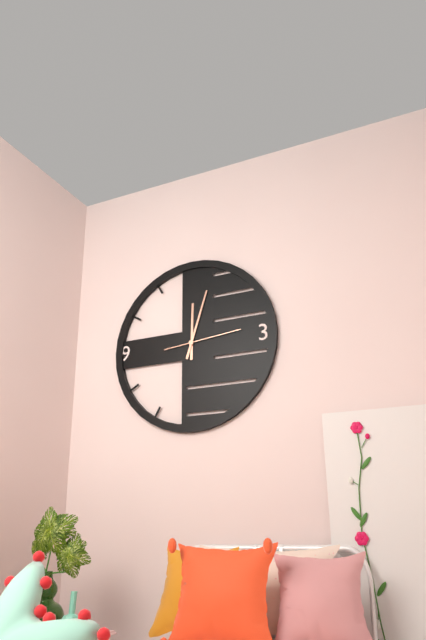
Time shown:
{"hour": 12, "minute": 3, "second": 14}
